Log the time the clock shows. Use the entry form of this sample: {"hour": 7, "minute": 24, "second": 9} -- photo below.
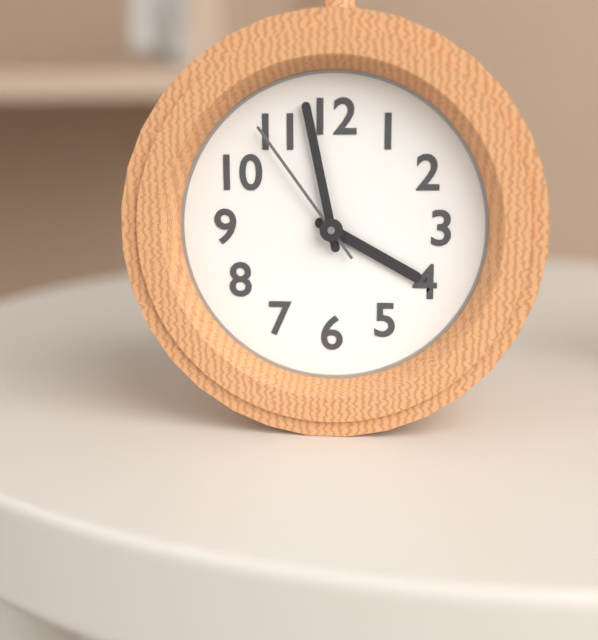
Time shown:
{"hour": 3, "minute": 58, "second": 54}
